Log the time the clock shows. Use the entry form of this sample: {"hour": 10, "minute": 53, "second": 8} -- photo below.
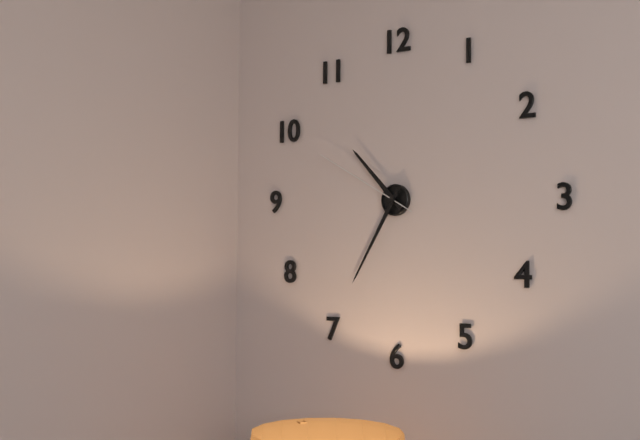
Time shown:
{"hour": 10, "minute": 35, "second": 50}
